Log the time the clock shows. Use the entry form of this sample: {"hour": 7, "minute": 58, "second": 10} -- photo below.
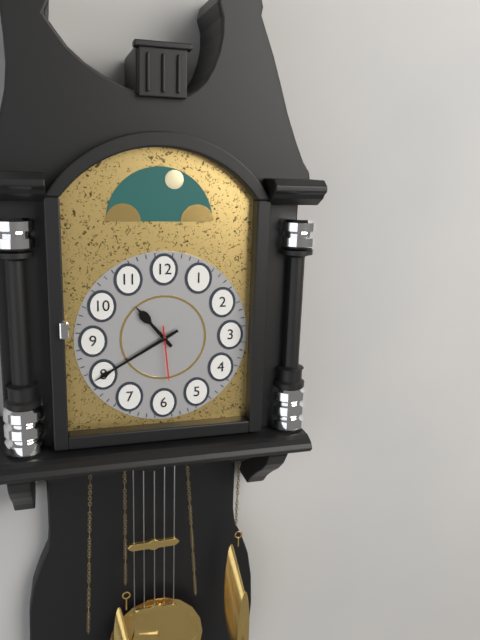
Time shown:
{"hour": 10, "minute": 40, "second": 29}
